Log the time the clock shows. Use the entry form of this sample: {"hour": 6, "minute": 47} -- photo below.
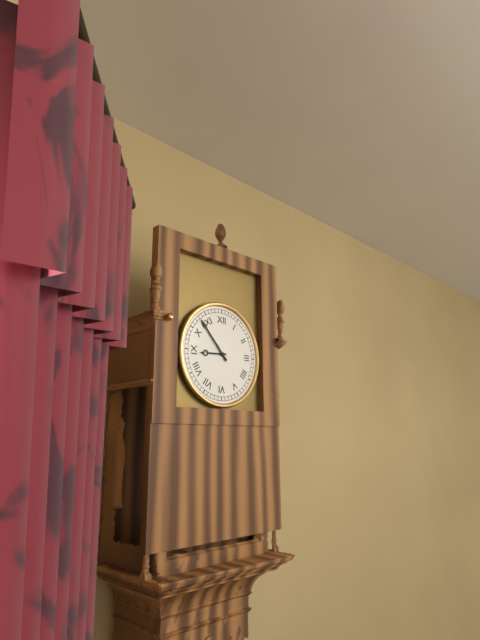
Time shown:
{"hour": 8, "minute": 53}
